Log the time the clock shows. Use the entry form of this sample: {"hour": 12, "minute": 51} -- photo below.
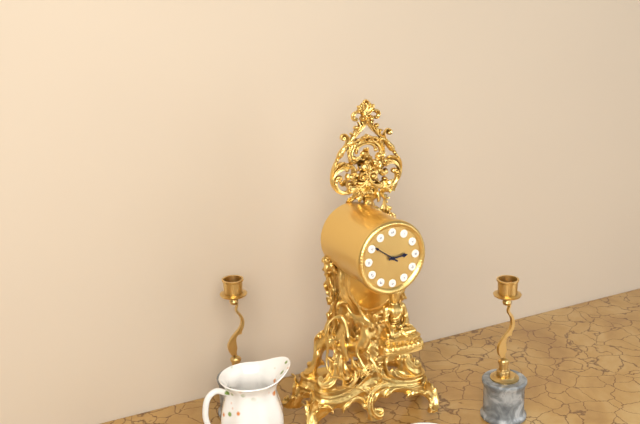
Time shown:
{"hour": 2, "minute": 51}
